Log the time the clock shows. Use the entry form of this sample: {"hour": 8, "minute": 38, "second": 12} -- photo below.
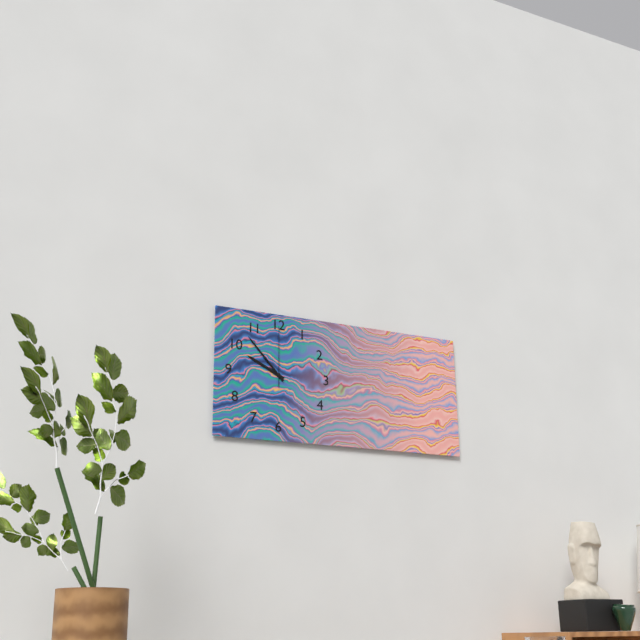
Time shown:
{"hour": 9, "minute": 53, "second": 0}
